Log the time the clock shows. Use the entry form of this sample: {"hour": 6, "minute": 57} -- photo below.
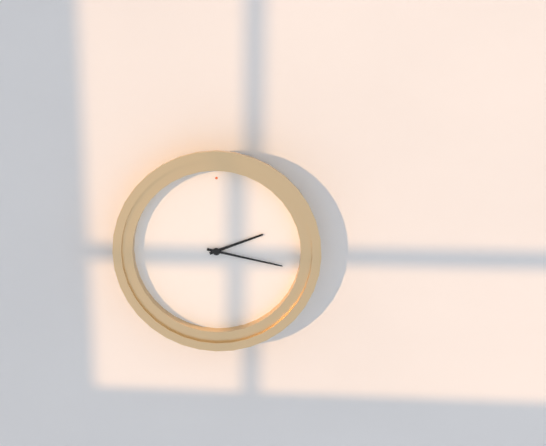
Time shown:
{"hour": 2, "minute": 17}
